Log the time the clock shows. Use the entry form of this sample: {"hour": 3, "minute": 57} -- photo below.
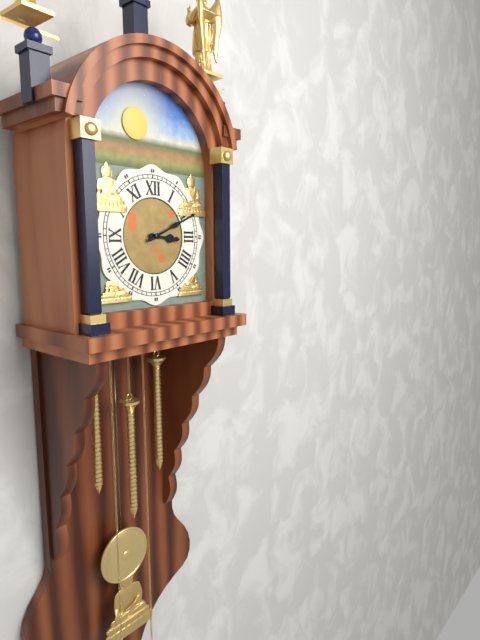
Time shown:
{"hour": 3, "minute": 11}
